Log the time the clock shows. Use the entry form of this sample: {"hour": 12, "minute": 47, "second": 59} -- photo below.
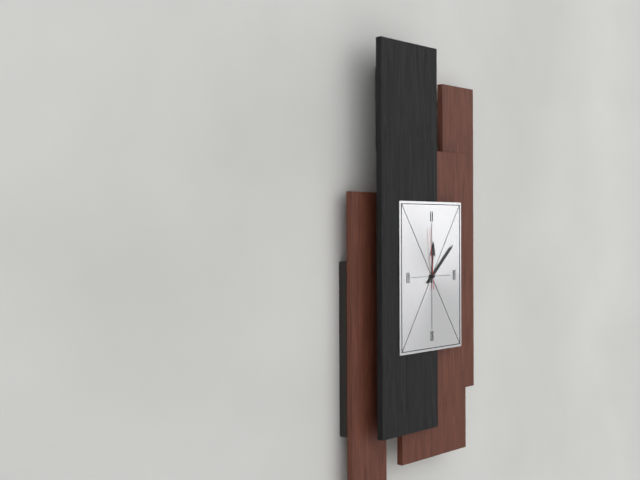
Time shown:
{"hour": 12, "minute": 8, "second": 59}
